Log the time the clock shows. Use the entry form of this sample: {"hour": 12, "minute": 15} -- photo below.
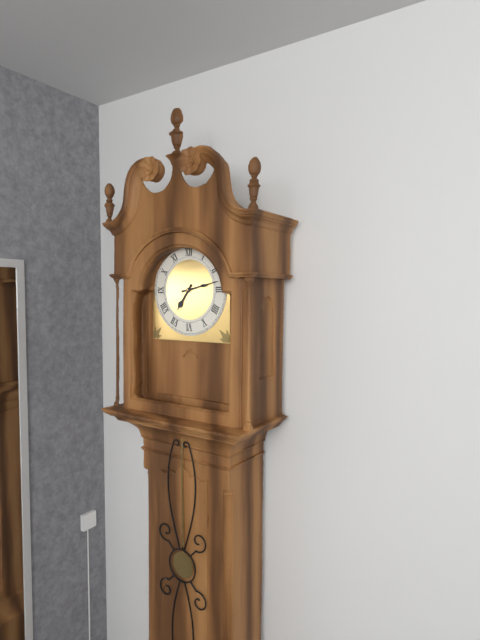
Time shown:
{"hour": 7, "minute": 13}
